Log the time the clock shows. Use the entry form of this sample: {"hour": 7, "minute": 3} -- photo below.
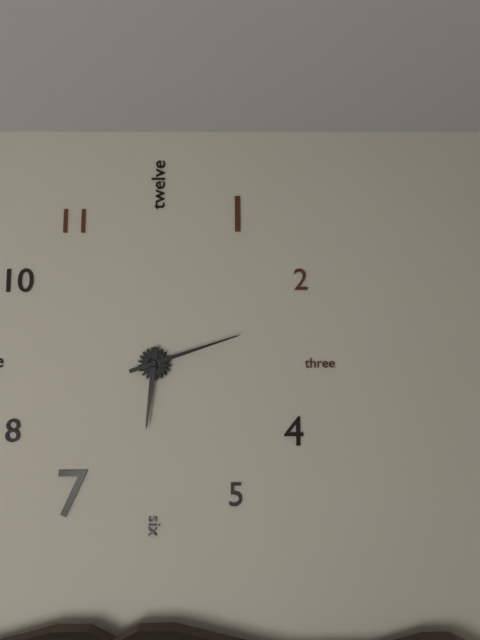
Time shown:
{"hour": 6, "minute": 12}
